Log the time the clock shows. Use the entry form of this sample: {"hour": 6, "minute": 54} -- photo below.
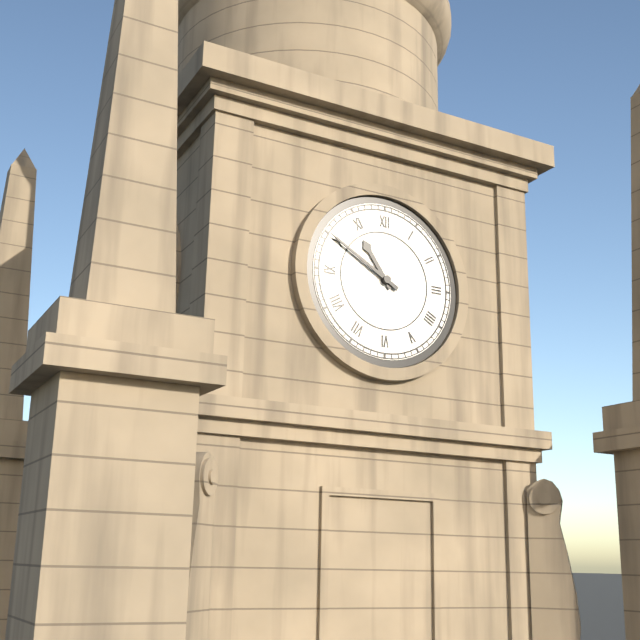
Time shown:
{"hour": 10, "minute": 50}
